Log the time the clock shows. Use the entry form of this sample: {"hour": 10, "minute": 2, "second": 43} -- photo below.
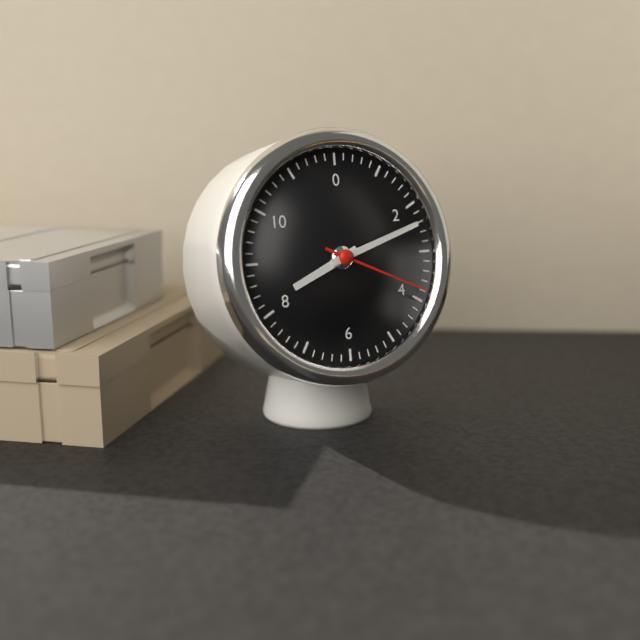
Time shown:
{"hour": 8, "minute": 12, "second": 19}
